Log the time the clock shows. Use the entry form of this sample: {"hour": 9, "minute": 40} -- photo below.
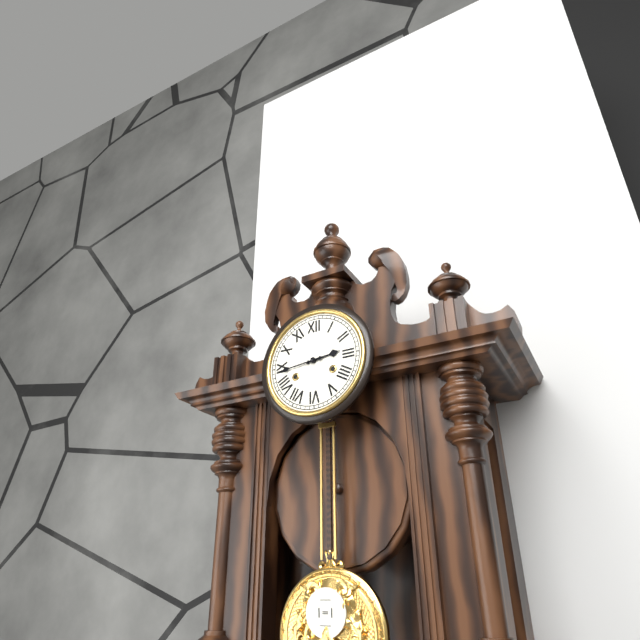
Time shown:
{"hour": 2, "minute": 44}
